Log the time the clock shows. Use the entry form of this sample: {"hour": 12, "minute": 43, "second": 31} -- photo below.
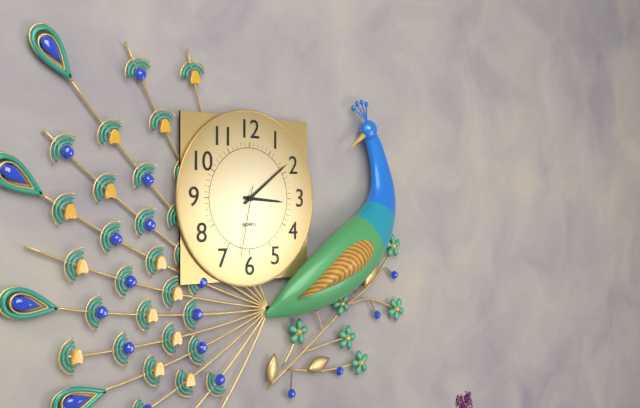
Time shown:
{"hour": 3, "minute": 9, "second": 32}
